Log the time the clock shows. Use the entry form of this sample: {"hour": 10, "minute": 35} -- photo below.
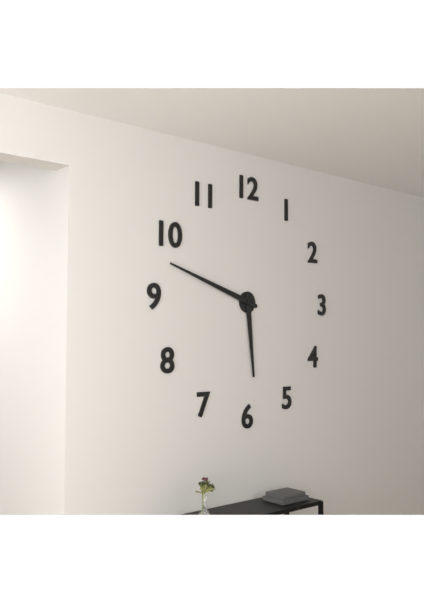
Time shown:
{"hour": 5, "minute": 48}
